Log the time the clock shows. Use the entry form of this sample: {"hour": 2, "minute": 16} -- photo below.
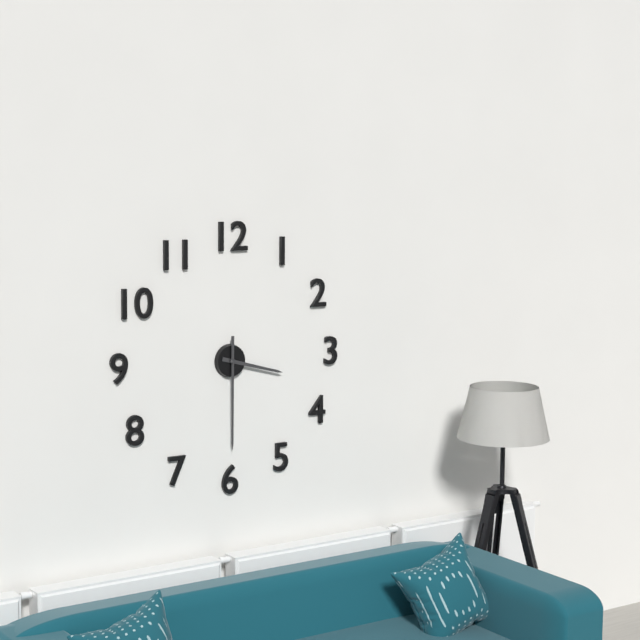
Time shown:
{"hour": 3, "minute": 30}
